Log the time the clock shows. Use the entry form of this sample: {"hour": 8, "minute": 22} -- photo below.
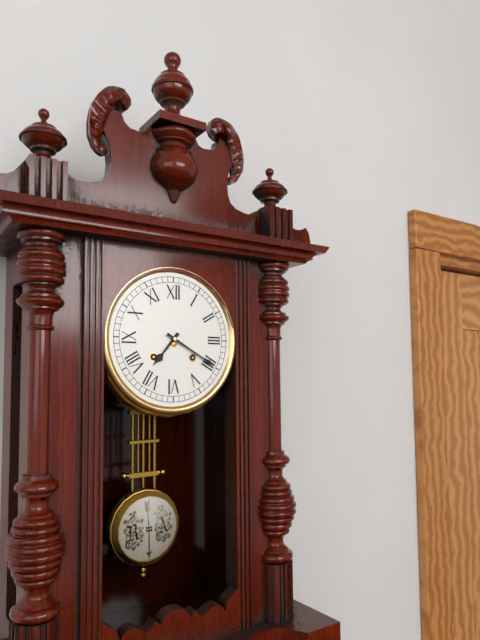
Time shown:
{"hour": 7, "minute": 20}
